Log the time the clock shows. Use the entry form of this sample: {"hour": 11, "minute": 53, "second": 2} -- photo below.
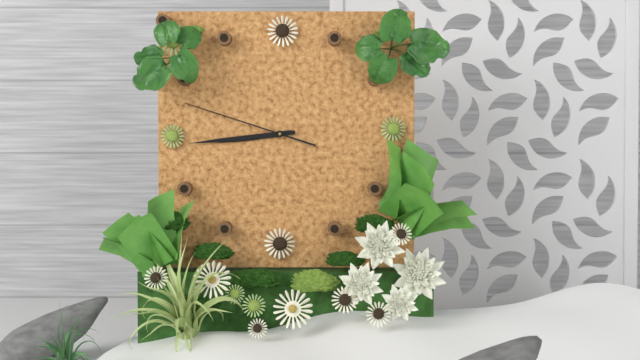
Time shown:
{"hour": 8, "minute": 44, "second": 48}
